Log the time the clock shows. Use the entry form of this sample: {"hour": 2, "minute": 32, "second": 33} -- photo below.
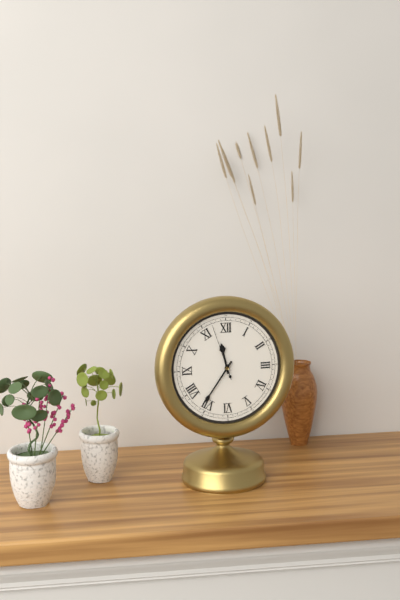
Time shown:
{"hour": 11, "minute": 36, "second": 57}
